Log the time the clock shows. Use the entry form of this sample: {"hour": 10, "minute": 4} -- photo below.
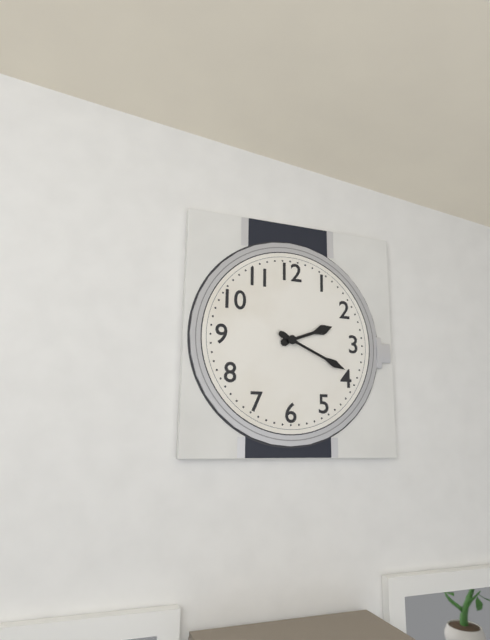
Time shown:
{"hour": 2, "minute": 19}
